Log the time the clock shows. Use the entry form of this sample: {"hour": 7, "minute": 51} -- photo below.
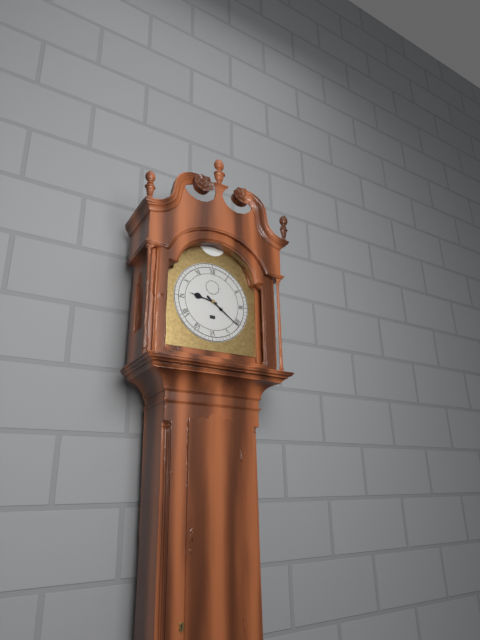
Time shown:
{"hour": 9, "minute": 21}
